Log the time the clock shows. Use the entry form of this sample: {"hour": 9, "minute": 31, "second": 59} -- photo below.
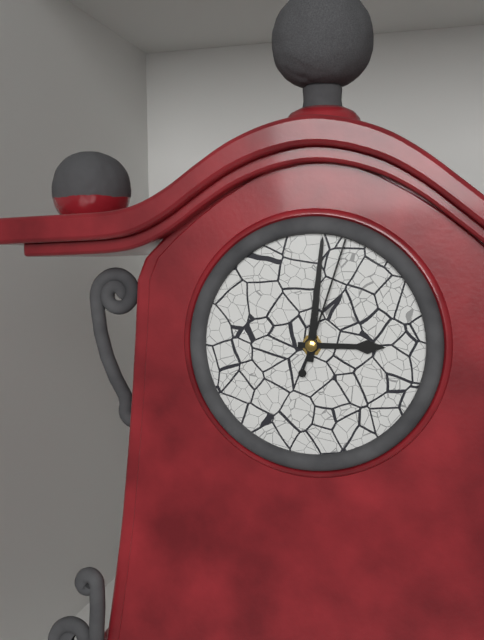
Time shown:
{"hour": 3, "minute": 1, "second": 3}
